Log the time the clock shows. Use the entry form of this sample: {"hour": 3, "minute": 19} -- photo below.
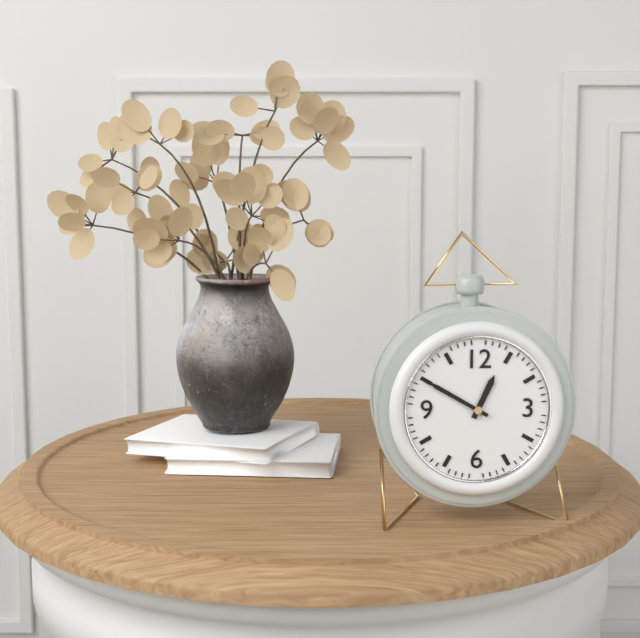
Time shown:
{"hour": 12, "minute": 50}
